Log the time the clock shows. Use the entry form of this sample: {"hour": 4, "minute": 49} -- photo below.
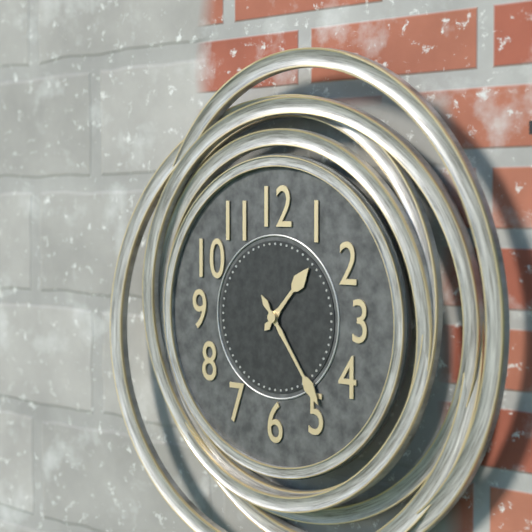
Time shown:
{"hour": 1, "minute": 24}
